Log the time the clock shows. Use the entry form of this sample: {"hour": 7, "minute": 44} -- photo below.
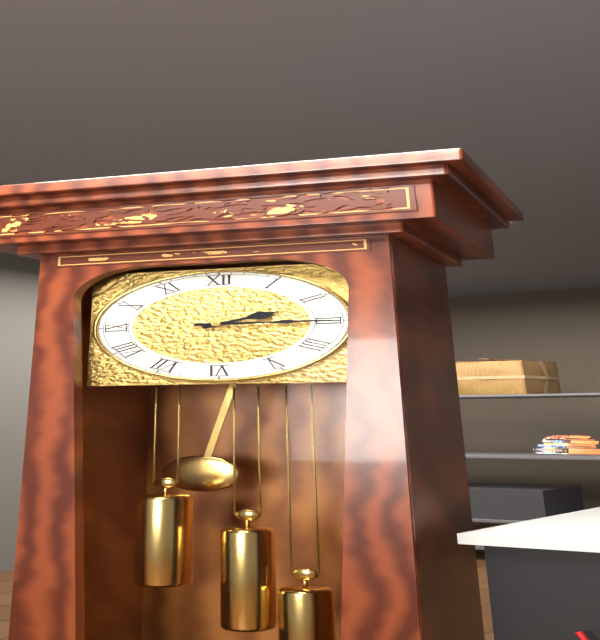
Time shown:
{"hour": 2, "minute": 15}
